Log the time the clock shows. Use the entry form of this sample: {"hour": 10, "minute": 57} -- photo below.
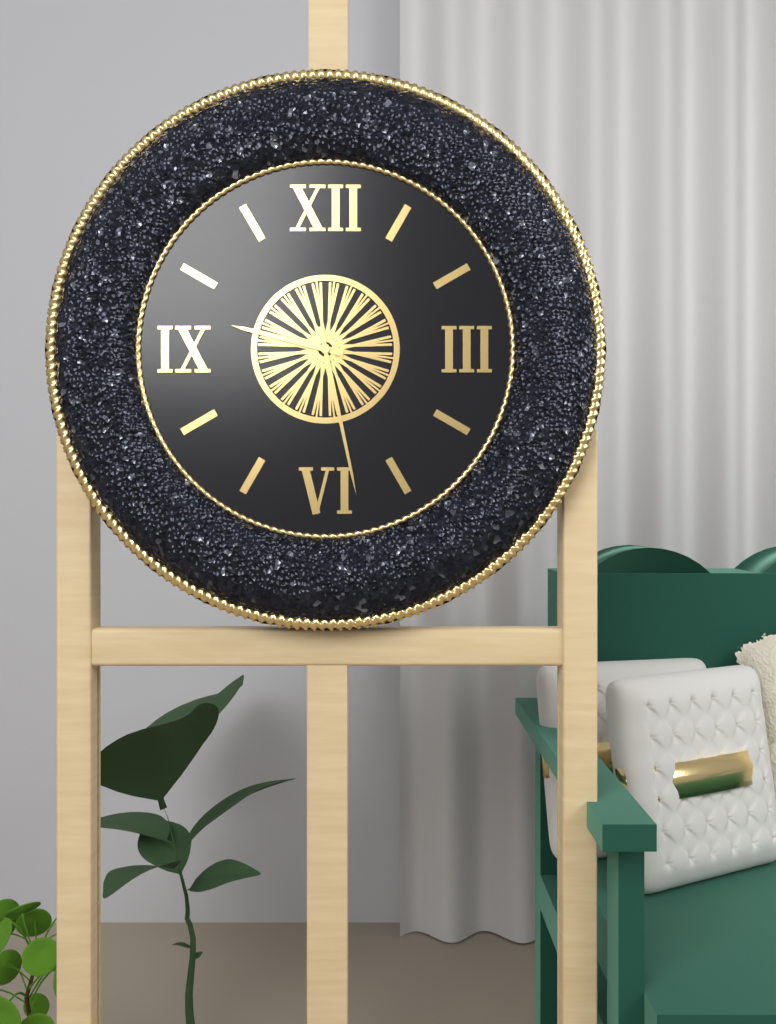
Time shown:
{"hour": 9, "minute": 28}
